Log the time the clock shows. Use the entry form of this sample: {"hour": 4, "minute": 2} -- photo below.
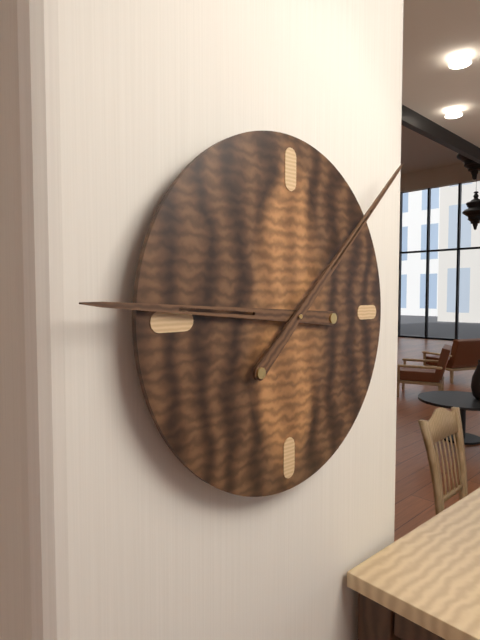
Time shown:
{"hour": 9, "minute": 8}
